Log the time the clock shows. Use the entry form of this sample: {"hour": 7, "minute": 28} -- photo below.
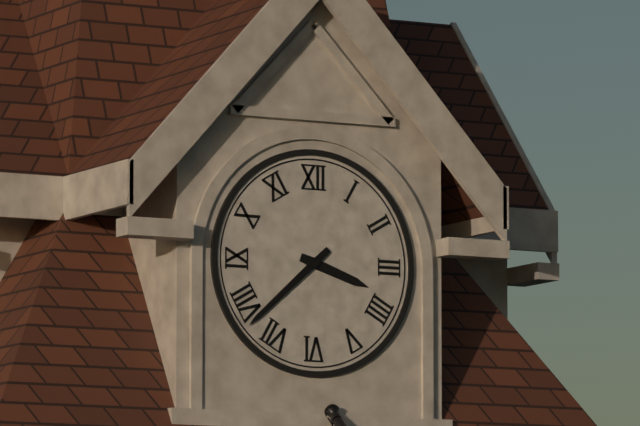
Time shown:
{"hour": 3, "minute": 38}
